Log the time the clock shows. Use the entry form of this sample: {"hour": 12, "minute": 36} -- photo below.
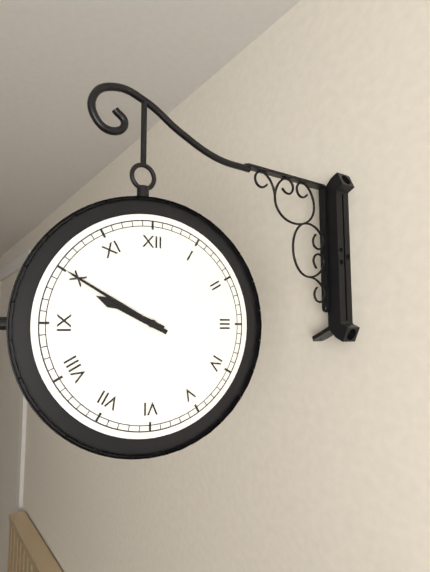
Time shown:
{"hour": 9, "minute": 50}
